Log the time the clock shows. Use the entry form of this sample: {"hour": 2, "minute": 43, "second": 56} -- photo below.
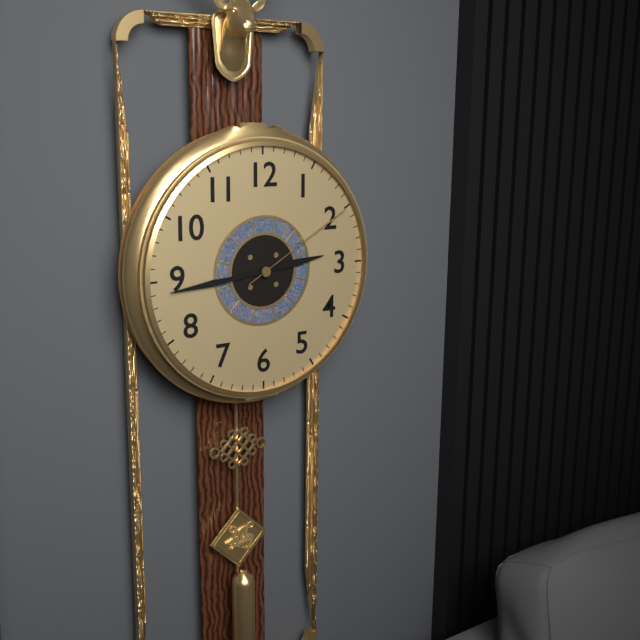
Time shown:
{"hour": 2, "minute": 44, "second": 10}
